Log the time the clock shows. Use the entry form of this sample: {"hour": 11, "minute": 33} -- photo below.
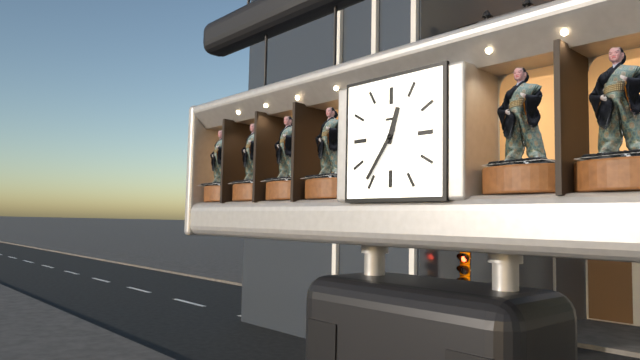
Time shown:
{"hour": 12, "minute": 36}
